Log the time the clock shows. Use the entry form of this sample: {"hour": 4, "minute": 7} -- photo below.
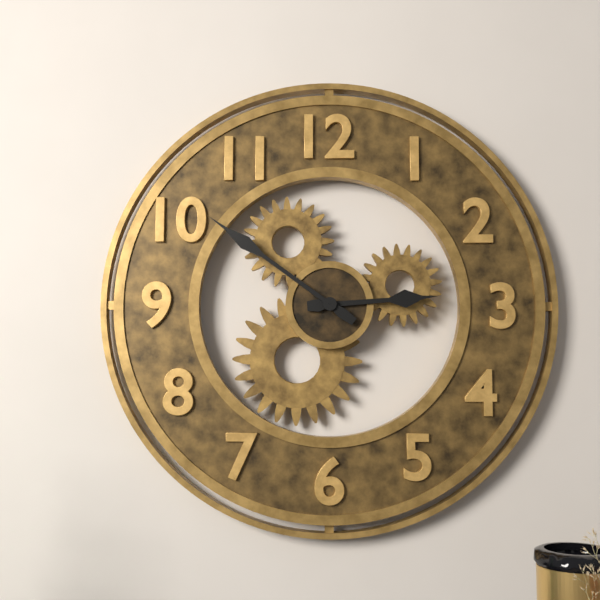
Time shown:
{"hour": 2, "minute": 51}
